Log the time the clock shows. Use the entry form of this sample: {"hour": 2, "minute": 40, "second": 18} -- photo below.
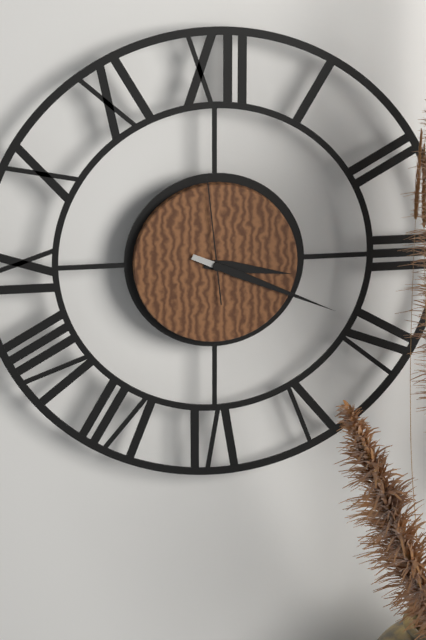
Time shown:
{"hour": 3, "minute": 19, "second": 59}
